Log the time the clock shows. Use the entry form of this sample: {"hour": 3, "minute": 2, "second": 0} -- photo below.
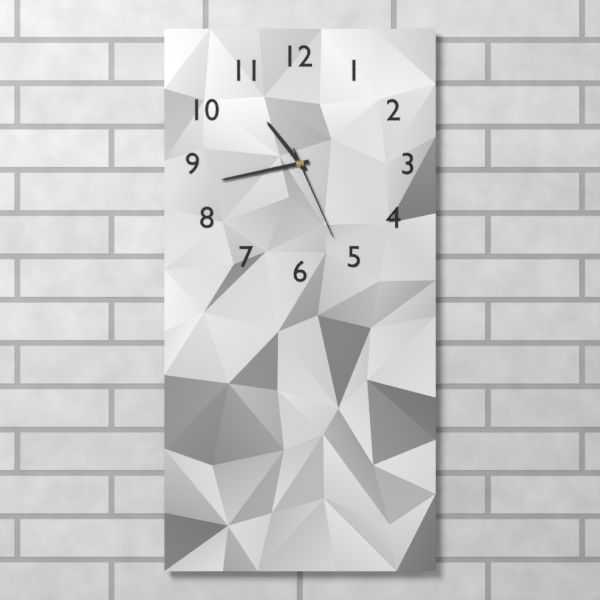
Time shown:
{"hour": 10, "minute": 43, "second": 26}
